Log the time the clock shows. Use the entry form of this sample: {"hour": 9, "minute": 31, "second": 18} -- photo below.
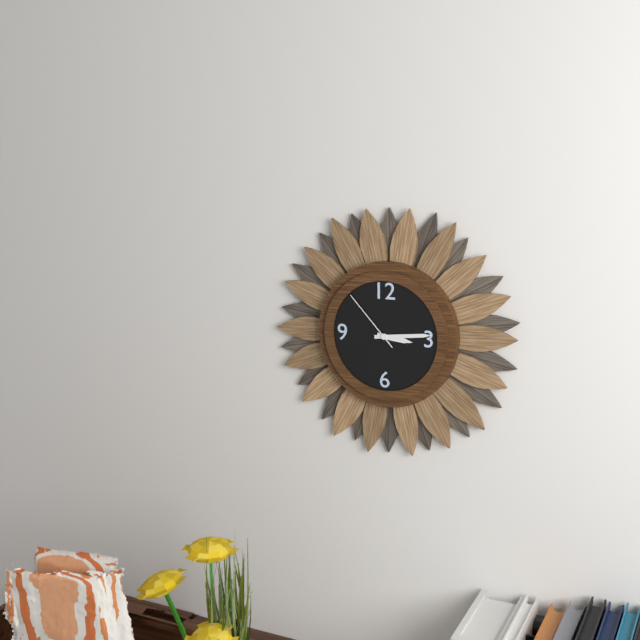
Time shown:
{"hour": 3, "minute": 14, "second": 53}
